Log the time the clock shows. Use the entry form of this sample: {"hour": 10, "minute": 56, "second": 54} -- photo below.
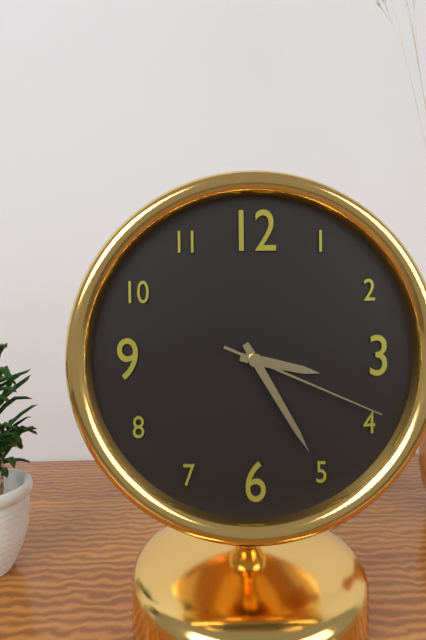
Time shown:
{"hour": 3, "minute": 25, "second": 19}
